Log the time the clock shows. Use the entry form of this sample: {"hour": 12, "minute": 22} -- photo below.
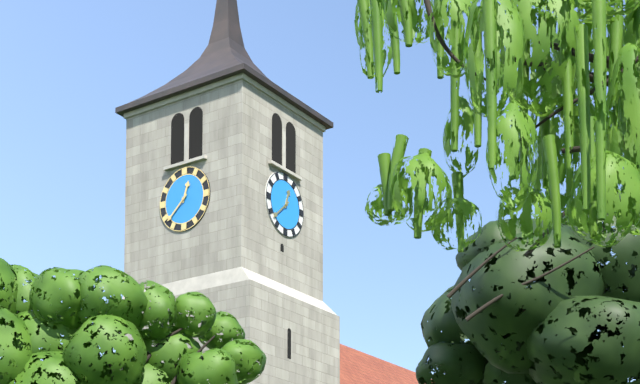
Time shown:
{"hour": 12, "minute": 38}
